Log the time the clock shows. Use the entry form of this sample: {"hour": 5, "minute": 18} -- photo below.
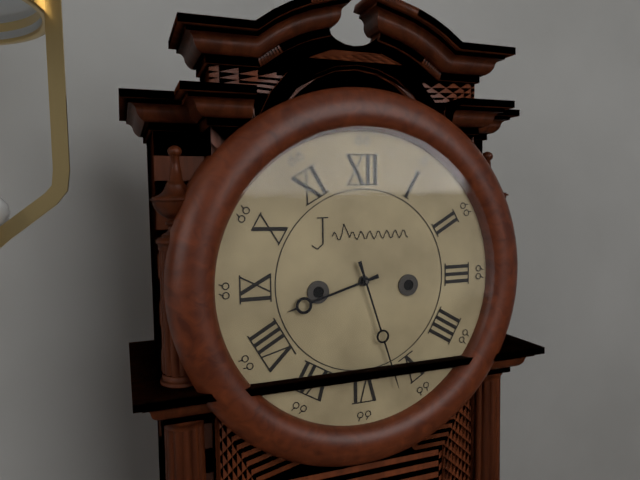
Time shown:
{"hour": 8, "minute": 27}
